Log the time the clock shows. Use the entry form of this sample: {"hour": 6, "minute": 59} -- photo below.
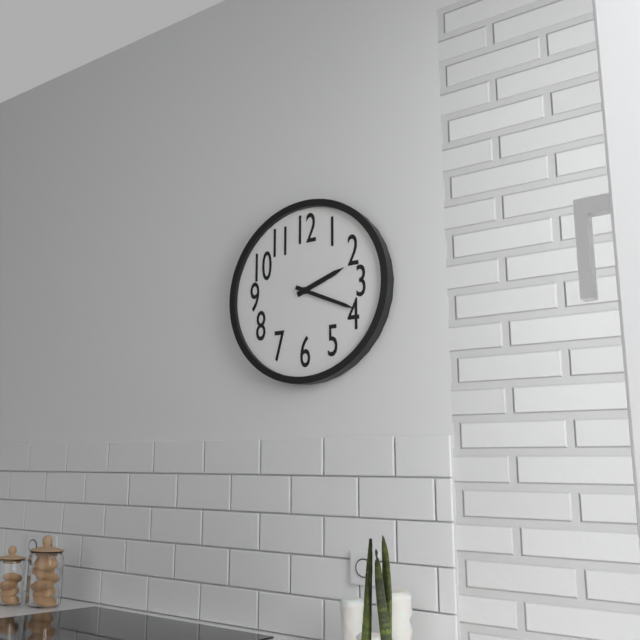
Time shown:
{"hour": 2, "minute": 19}
